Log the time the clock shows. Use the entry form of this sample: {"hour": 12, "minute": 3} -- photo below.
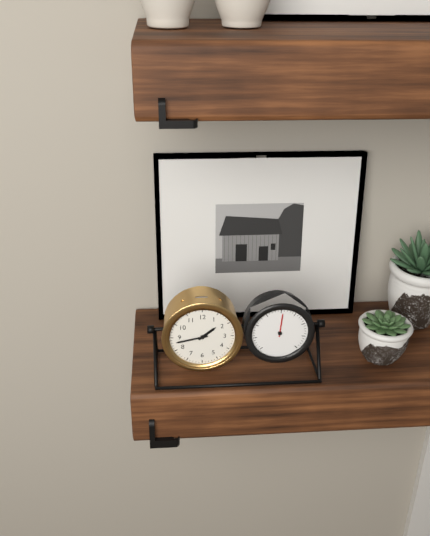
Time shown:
{"hour": 1, "minute": 43}
